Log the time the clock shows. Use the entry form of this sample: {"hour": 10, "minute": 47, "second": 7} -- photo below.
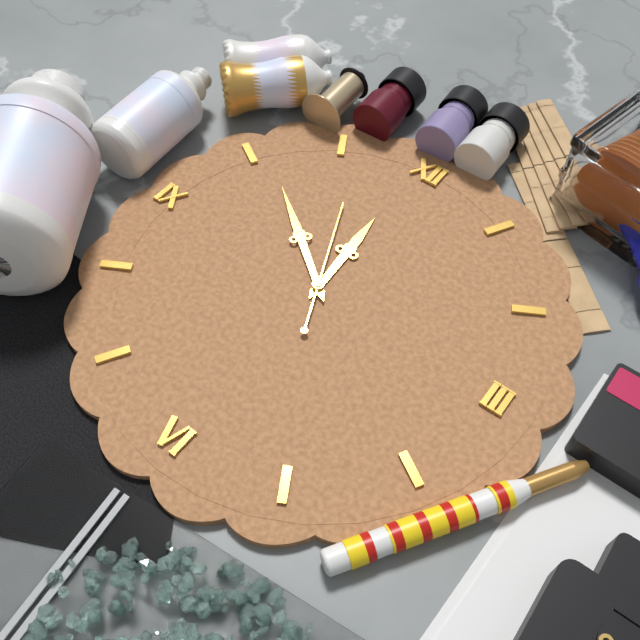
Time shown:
{"hour": 11, "minute": 51, "second": 56}
